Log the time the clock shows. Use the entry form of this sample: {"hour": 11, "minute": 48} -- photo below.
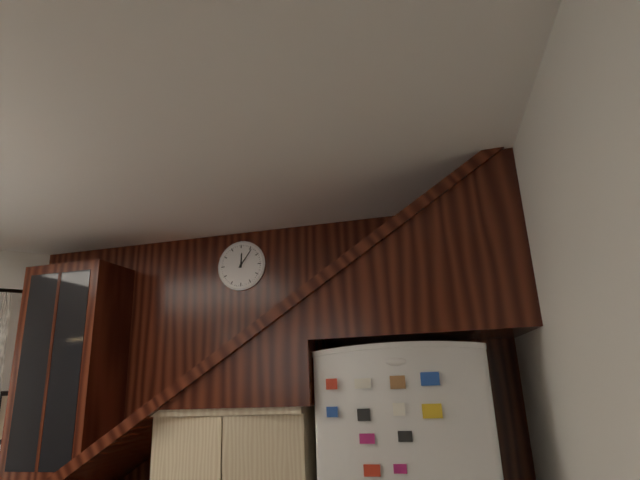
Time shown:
{"hour": 12, "minute": 6}
